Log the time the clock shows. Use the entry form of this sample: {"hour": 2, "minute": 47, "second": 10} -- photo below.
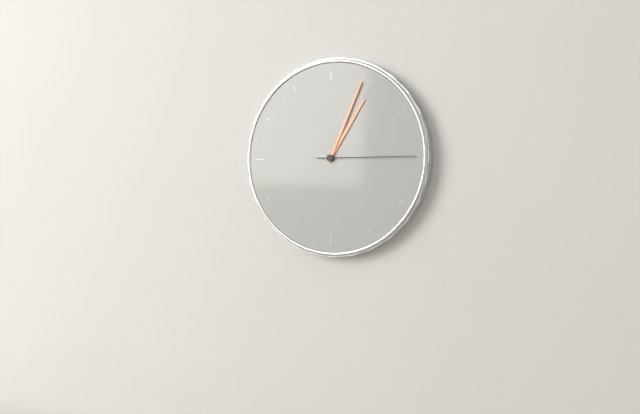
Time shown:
{"hour": 1, "minute": 4, "second": 15}
